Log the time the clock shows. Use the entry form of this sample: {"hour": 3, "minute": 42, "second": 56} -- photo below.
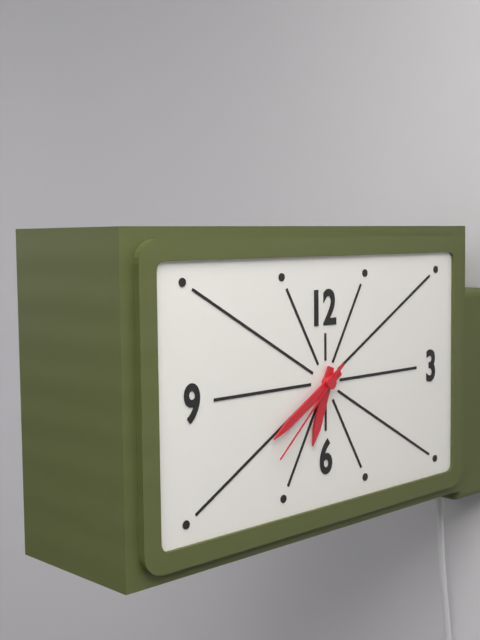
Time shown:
{"hour": 6, "minute": 40, "second": 38}
